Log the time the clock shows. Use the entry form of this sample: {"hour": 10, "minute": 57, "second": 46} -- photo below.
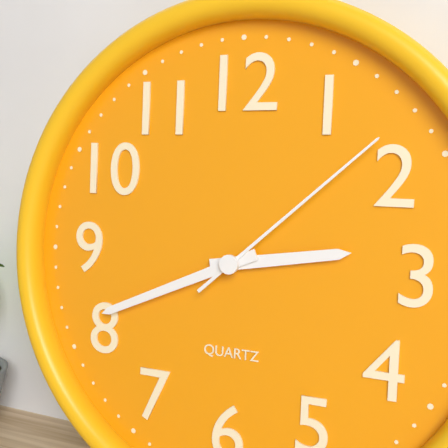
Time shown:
{"hour": 2, "minute": 41, "second": 8}
